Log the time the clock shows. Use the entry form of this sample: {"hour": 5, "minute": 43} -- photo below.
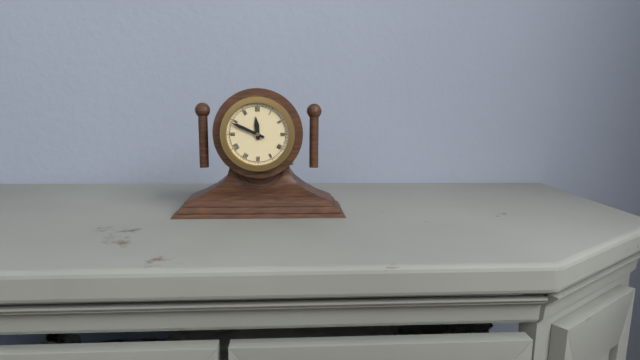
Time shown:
{"hour": 11, "minute": 49}
